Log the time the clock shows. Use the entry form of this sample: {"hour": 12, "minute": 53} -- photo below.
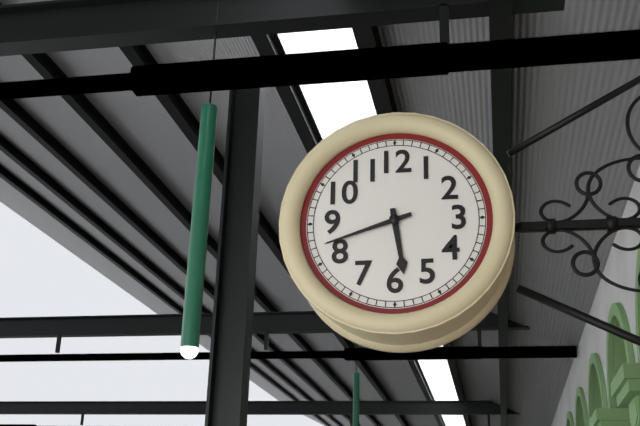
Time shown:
{"hour": 5, "minute": 42}
